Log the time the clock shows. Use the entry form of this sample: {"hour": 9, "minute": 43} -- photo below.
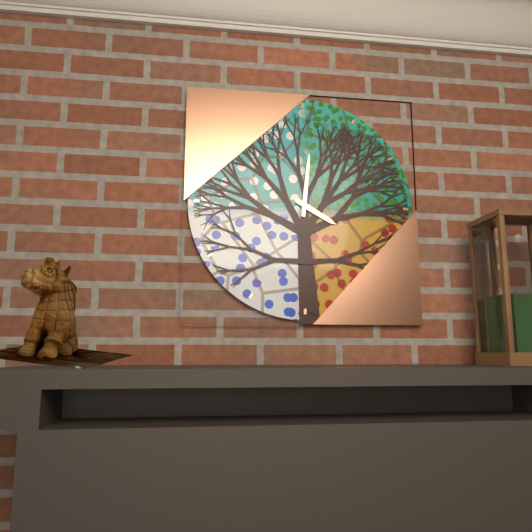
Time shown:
{"hour": 4, "minute": 1}
